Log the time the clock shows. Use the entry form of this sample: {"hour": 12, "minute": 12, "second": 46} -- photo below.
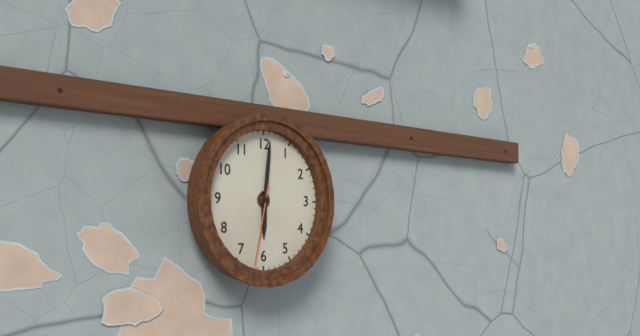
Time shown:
{"hour": 6, "minute": 1, "second": 32}
